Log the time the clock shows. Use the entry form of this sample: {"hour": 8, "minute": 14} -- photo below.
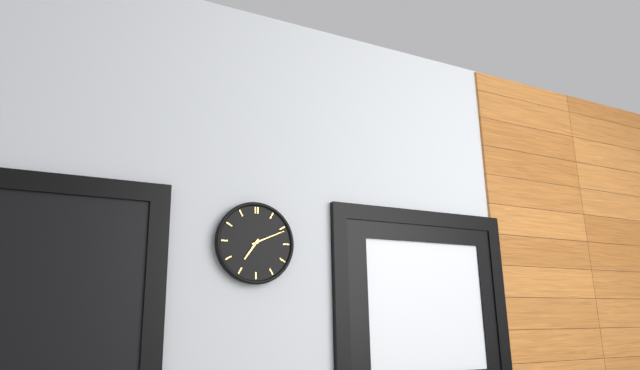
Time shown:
{"hour": 7, "minute": 11}
